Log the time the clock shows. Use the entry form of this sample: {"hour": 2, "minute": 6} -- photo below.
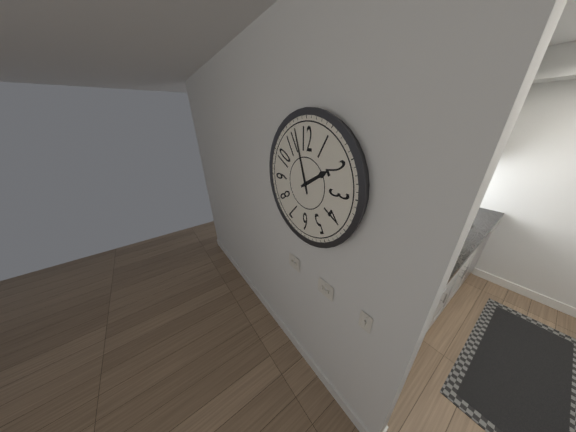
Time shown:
{"hour": 1, "minute": 57}
